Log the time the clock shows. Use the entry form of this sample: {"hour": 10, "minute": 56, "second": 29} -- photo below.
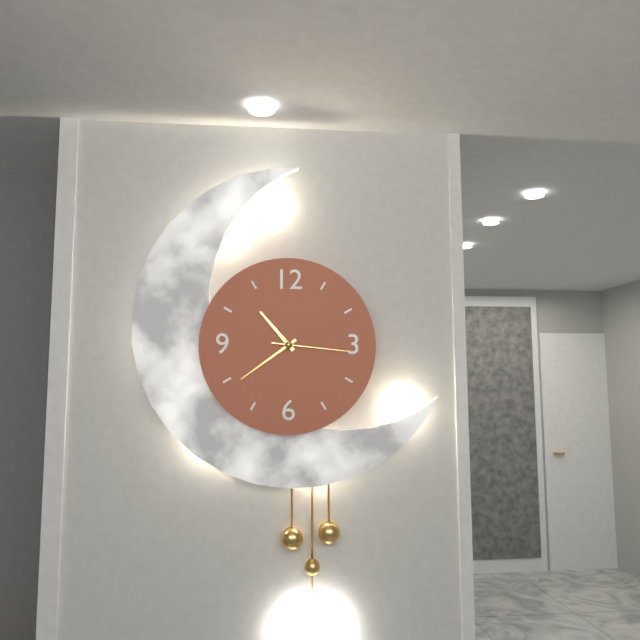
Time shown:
{"hour": 10, "minute": 39, "second": 16}
